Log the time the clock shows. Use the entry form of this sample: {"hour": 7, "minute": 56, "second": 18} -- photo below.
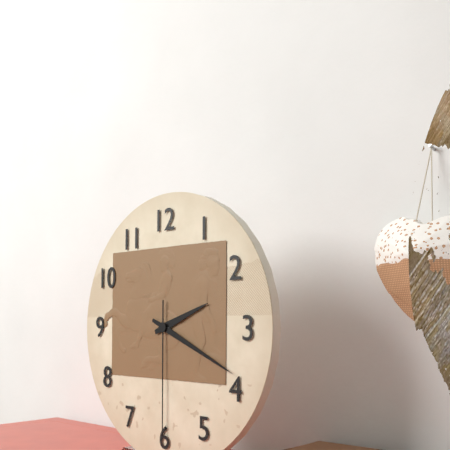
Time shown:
{"hour": 2, "minute": 19, "second": 30}
